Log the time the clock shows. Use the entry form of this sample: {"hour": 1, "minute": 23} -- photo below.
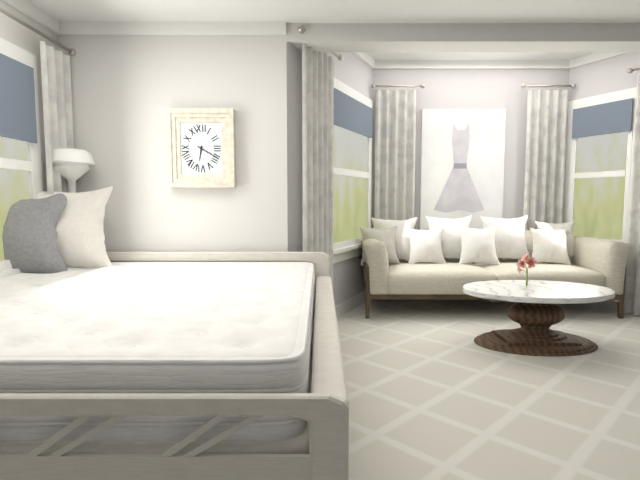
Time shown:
{"hour": 6, "minute": 20}
